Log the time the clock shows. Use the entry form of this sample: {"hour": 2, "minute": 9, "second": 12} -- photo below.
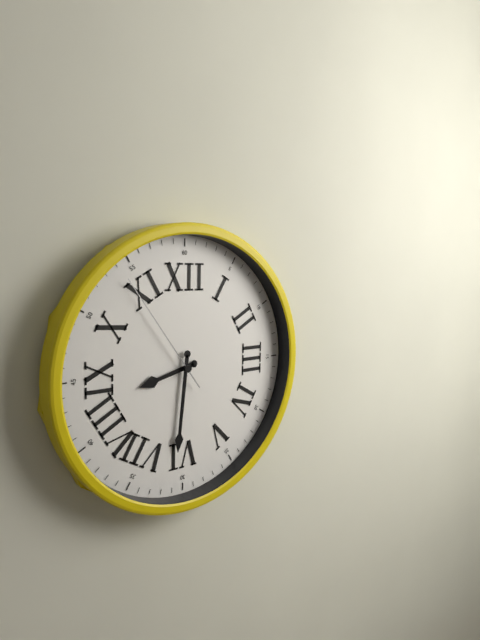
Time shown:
{"hour": 8, "minute": 31, "second": 54}
